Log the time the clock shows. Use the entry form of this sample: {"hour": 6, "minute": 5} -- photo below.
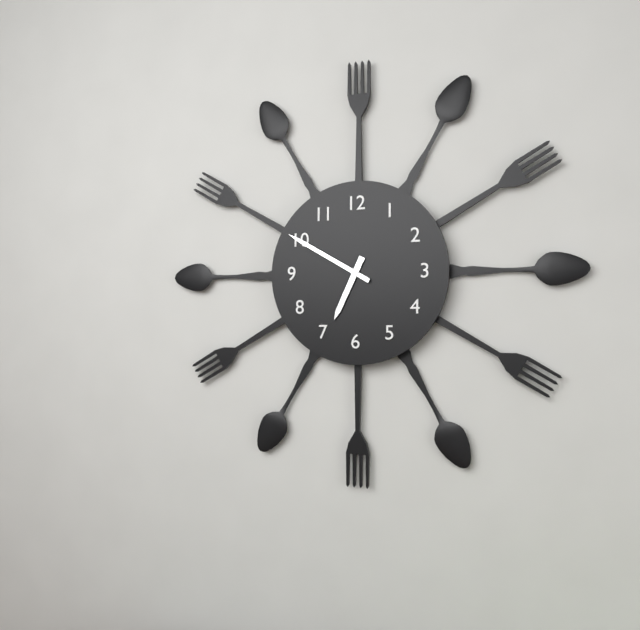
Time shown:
{"hour": 6, "minute": 50}
